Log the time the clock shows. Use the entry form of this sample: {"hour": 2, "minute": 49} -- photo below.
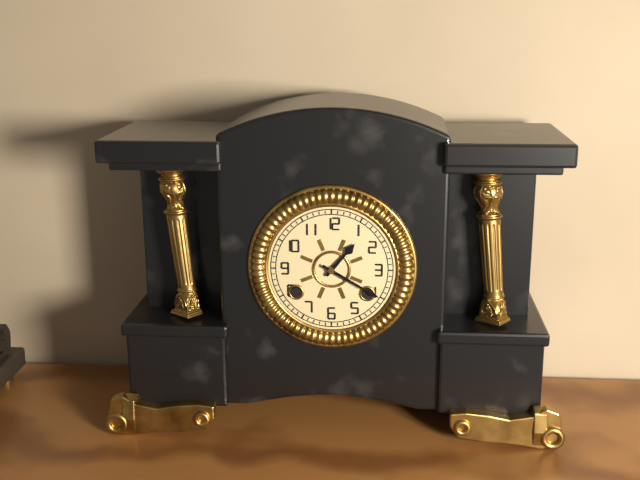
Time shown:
{"hour": 1, "minute": 20}
